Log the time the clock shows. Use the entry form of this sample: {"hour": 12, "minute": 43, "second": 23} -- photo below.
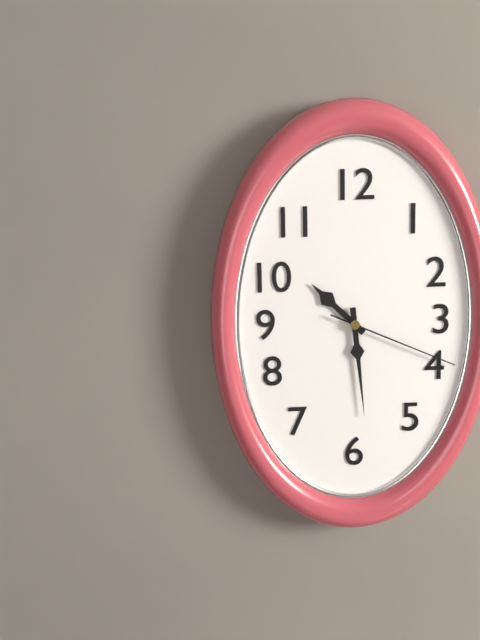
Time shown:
{"hour": 10, "minute": 29, "second": 19}
